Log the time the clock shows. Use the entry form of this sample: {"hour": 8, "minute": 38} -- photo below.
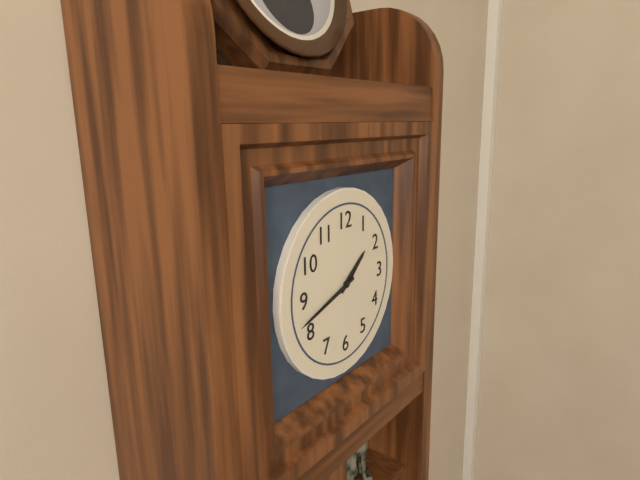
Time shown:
{"hour": 1, "minute": 42}
